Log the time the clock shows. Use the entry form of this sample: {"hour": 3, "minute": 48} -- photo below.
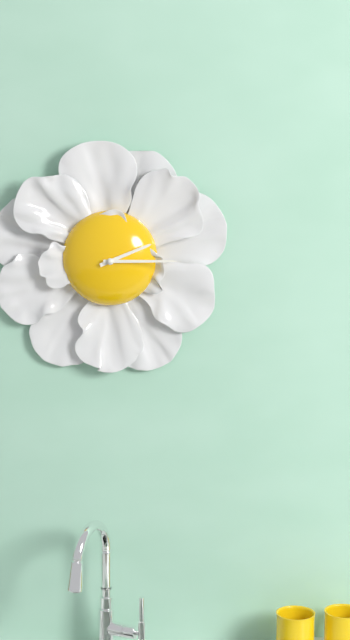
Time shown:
{"hour": 2, "minute": 15}
